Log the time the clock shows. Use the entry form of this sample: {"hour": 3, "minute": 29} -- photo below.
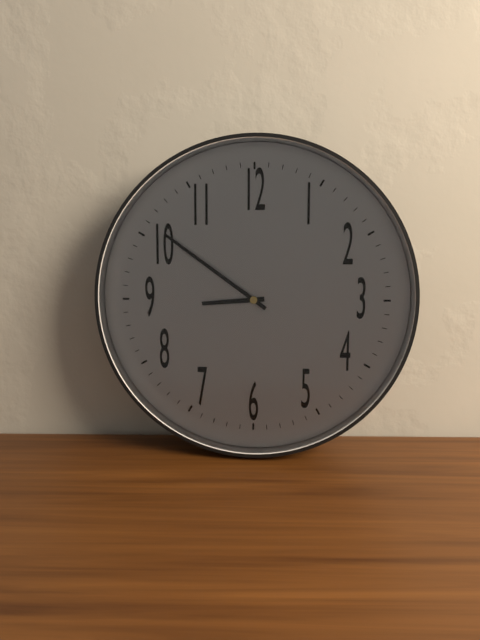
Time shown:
{"hour": 8, "minute": 51}
